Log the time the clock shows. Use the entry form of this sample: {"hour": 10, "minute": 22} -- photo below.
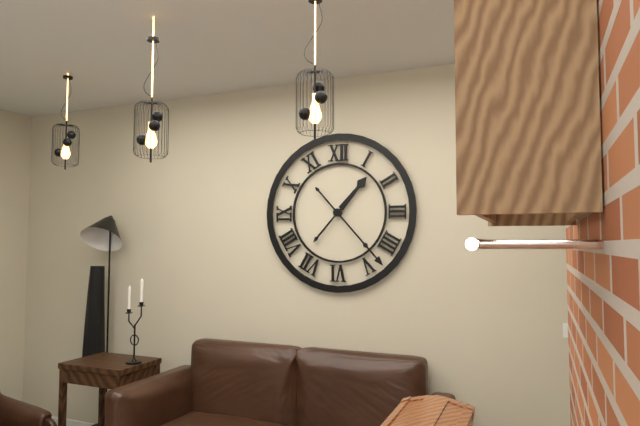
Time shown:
{"hour": 1, "minute": 23}
